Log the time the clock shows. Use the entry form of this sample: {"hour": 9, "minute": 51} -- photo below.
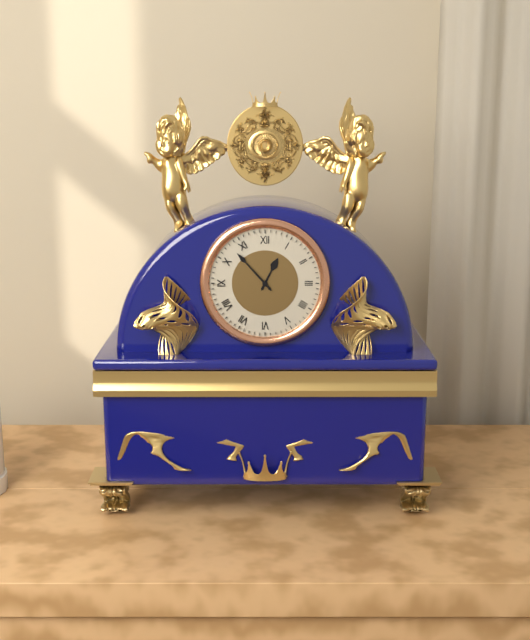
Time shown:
{"hour": 12, "minute": 53}
